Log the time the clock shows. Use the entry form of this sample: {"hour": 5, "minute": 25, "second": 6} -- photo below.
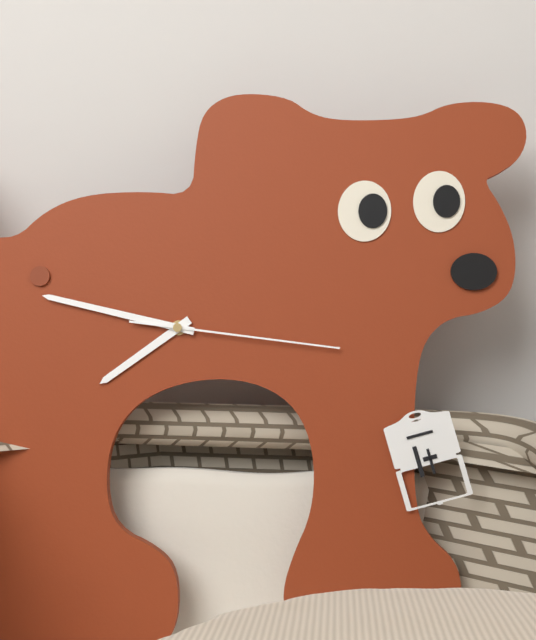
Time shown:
{"hour": 7, "minute": 47, "second": 16}
